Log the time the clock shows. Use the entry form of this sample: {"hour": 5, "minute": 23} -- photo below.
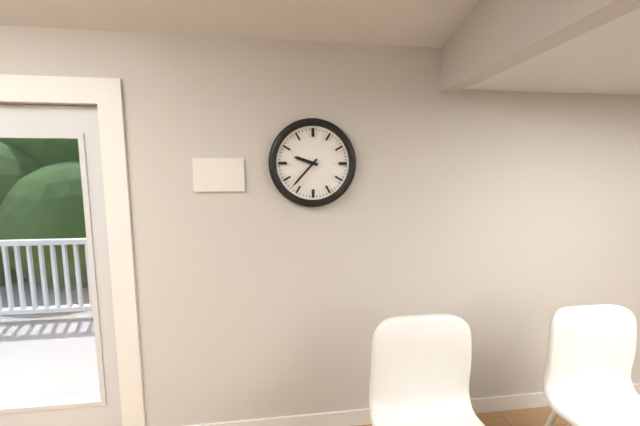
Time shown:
{"hour": 9, "minute": 37}
